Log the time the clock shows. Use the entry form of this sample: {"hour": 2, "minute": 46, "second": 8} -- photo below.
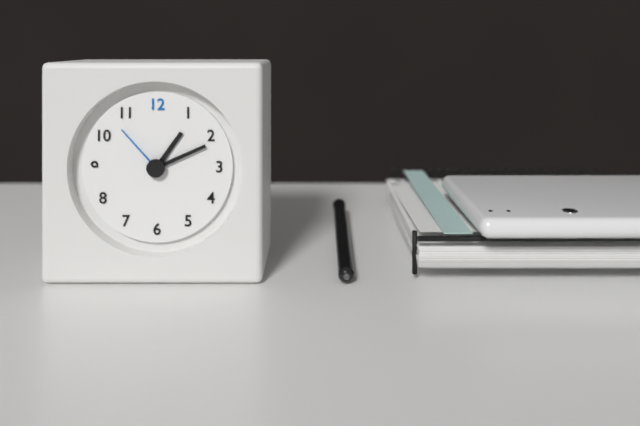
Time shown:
{"hour": 1, "minute": 11, "second": 53}
